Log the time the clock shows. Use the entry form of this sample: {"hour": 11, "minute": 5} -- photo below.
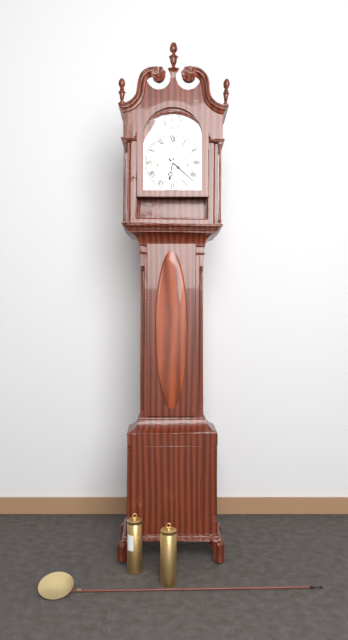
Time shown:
{"hour": 6, "minute": 22}
